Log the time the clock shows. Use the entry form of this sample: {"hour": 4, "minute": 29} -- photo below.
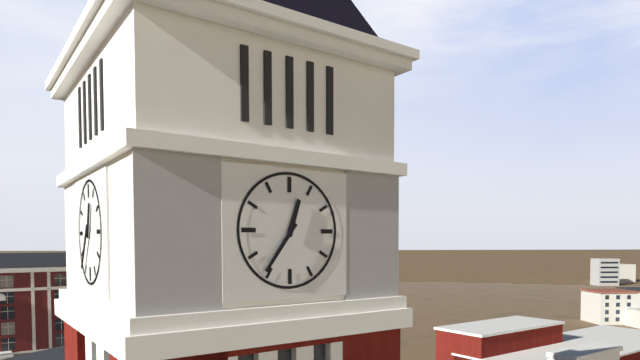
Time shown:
{"hour": 12, "minute": 36}
